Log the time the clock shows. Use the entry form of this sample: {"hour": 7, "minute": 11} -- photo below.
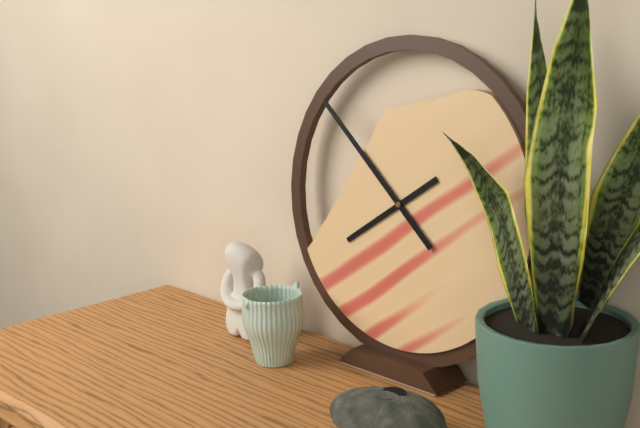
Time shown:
{"hour": 7, "minute": 52}
